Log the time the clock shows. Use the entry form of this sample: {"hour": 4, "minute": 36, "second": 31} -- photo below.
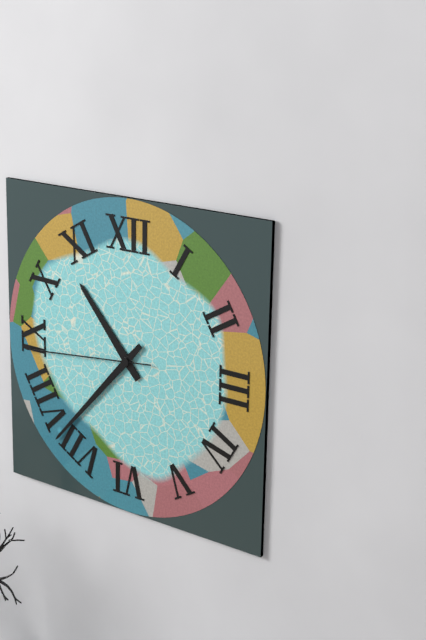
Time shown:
{"hour": 10, "minute": 37, "second": 44}
